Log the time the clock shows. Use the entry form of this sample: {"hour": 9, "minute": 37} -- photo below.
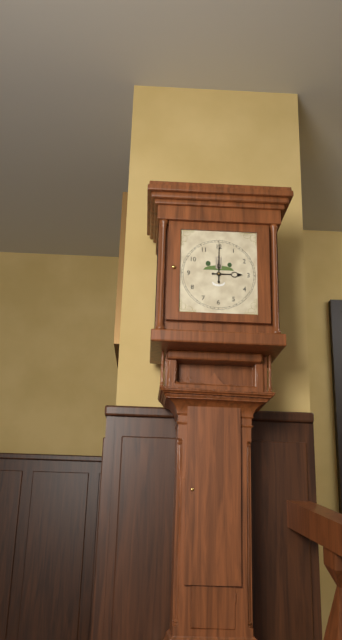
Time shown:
{"hour": 3, "minute": 0}
